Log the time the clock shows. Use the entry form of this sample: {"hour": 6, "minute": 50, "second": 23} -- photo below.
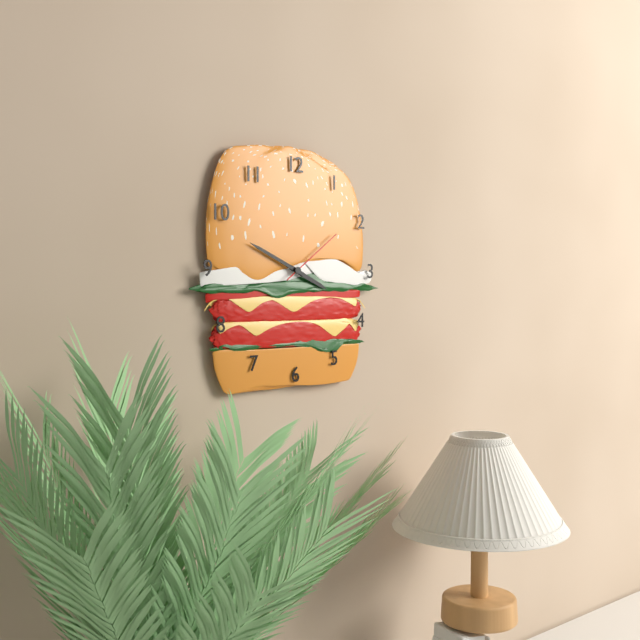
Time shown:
{"hour": 3, "minute": 49, "second": 9}
